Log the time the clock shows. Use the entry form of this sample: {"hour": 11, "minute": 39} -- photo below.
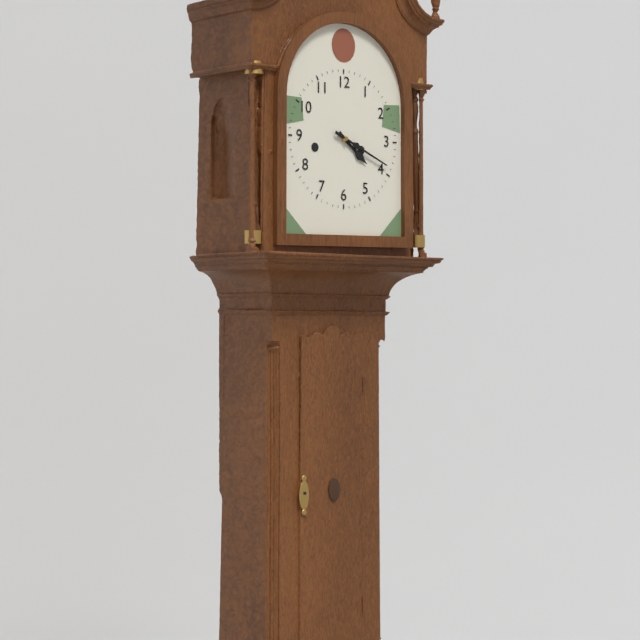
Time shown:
{"hour": 4, "minute": 19}
